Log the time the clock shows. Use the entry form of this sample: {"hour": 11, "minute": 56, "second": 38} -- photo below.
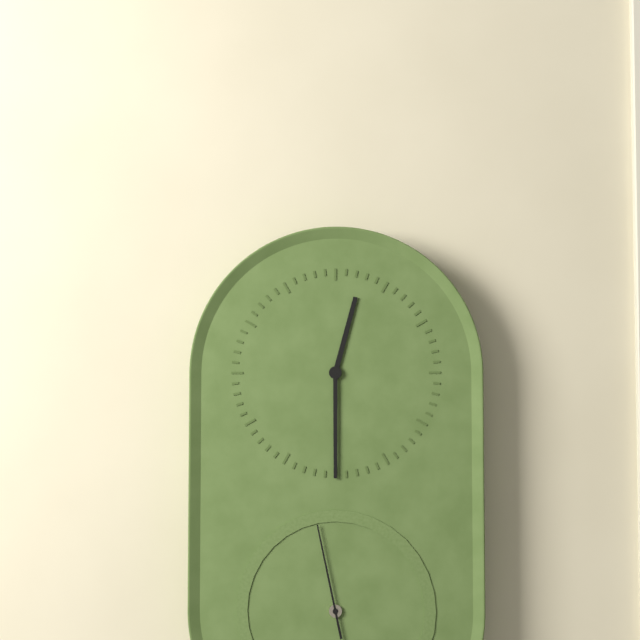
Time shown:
{"hour": 12, "minute": 30, "second": 58}
